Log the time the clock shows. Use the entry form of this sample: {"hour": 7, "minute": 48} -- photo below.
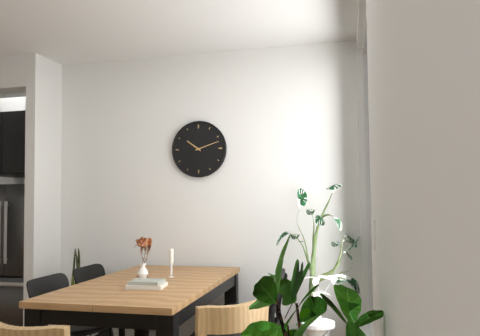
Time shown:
{"hour": 10, "minute": 12}
